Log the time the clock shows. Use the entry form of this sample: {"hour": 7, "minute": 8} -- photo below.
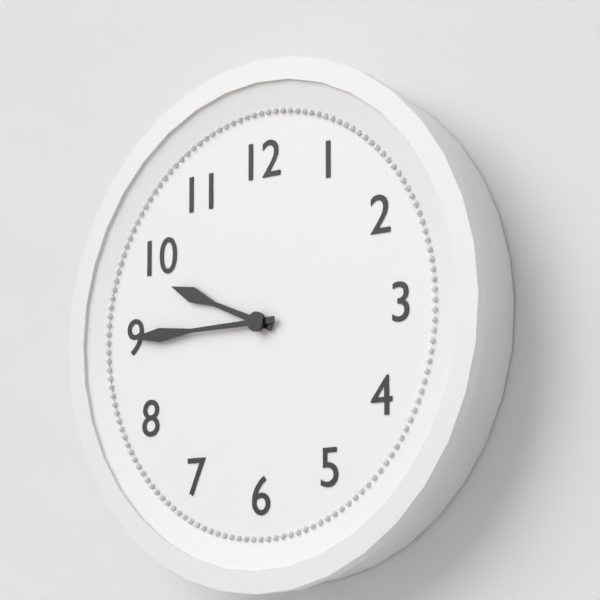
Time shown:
{"hour": 9, "minute": 45}
